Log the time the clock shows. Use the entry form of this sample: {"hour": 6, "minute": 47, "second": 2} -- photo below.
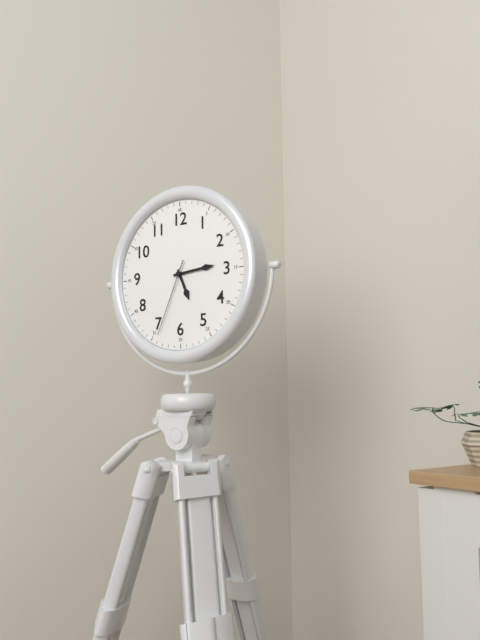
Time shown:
{"hour": 5, "minute": 14, "second": 34}
